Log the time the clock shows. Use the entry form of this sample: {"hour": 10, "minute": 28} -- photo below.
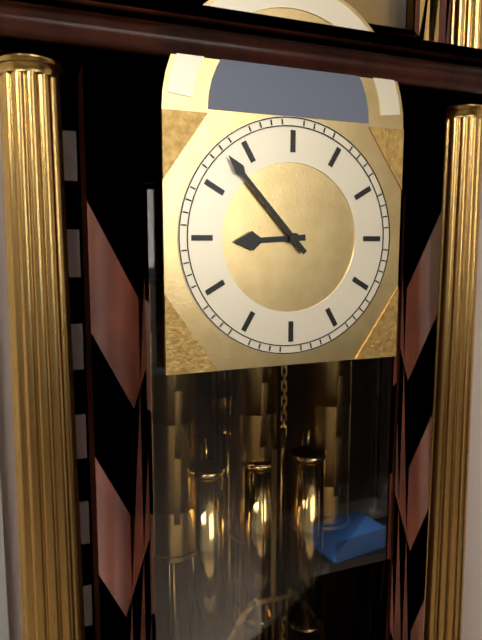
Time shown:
{"hour": 8, "minute": 53}
